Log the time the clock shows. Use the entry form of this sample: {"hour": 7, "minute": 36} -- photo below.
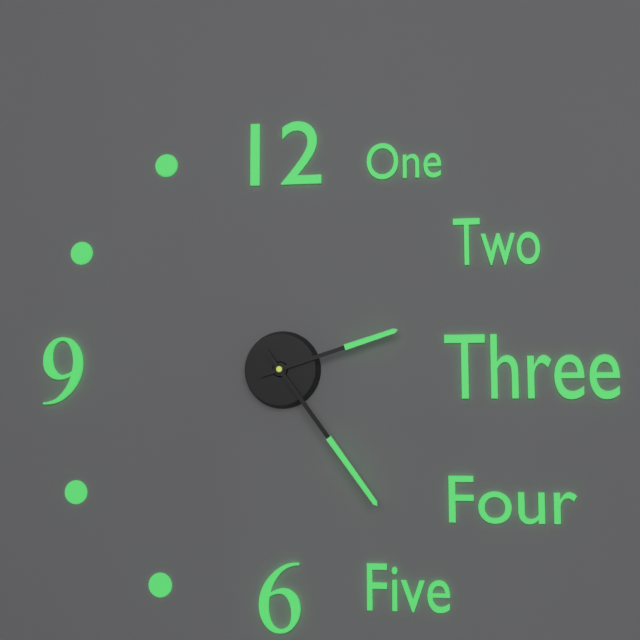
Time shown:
{"hour": 2, "minute": 24}
